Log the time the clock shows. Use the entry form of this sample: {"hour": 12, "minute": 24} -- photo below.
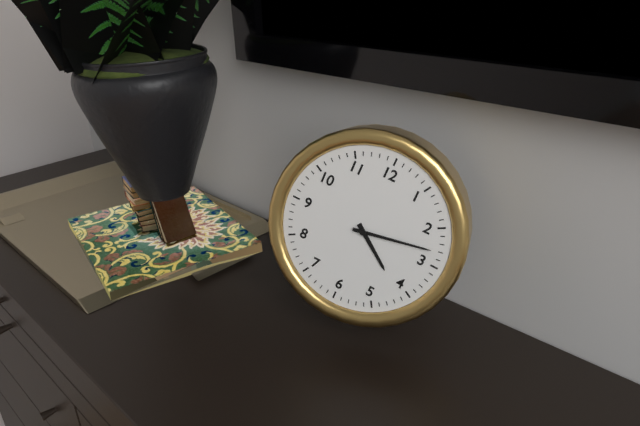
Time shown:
{"hour": 4, "minute": 13}
